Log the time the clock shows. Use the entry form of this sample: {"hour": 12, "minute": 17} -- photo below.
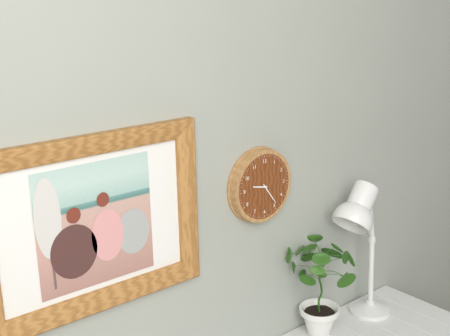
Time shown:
{"hour": 9, "minute": 24}
